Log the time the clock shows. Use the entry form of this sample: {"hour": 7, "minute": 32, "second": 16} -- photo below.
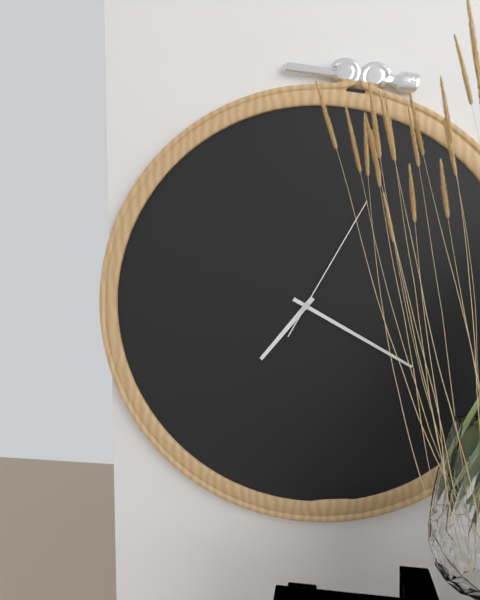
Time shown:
{"hour": 7, "minute": 20, "second": 5}
